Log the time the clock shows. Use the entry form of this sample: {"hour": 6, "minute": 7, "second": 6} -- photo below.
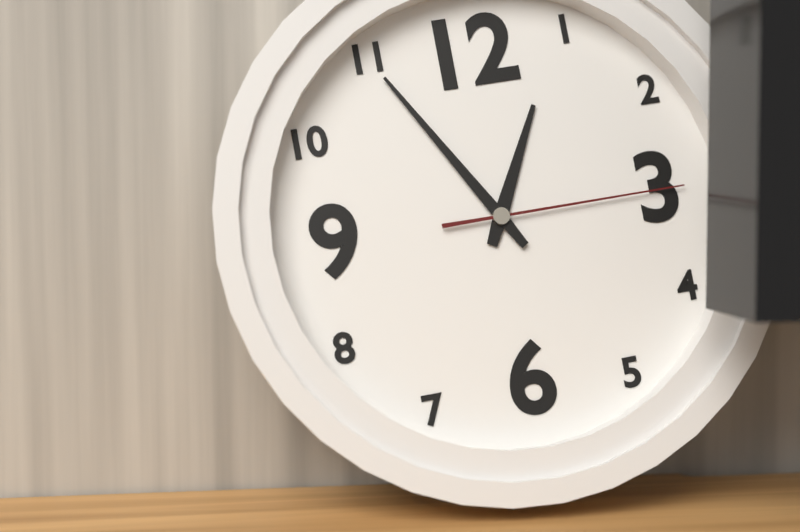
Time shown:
{"hour": 12, "minute": 55, "second": 15}
